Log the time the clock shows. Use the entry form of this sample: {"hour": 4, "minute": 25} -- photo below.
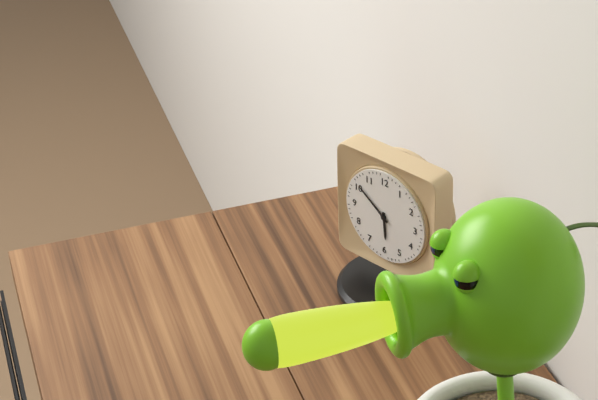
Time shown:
{"hour": 5, "minute": 51}
